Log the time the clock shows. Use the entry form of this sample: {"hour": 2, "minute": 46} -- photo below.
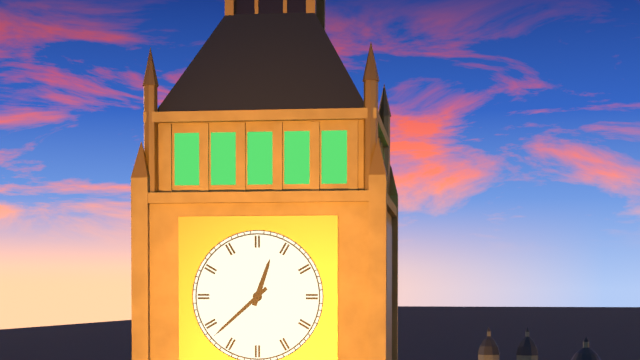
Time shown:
{"hour": 12, "minute": 38}
